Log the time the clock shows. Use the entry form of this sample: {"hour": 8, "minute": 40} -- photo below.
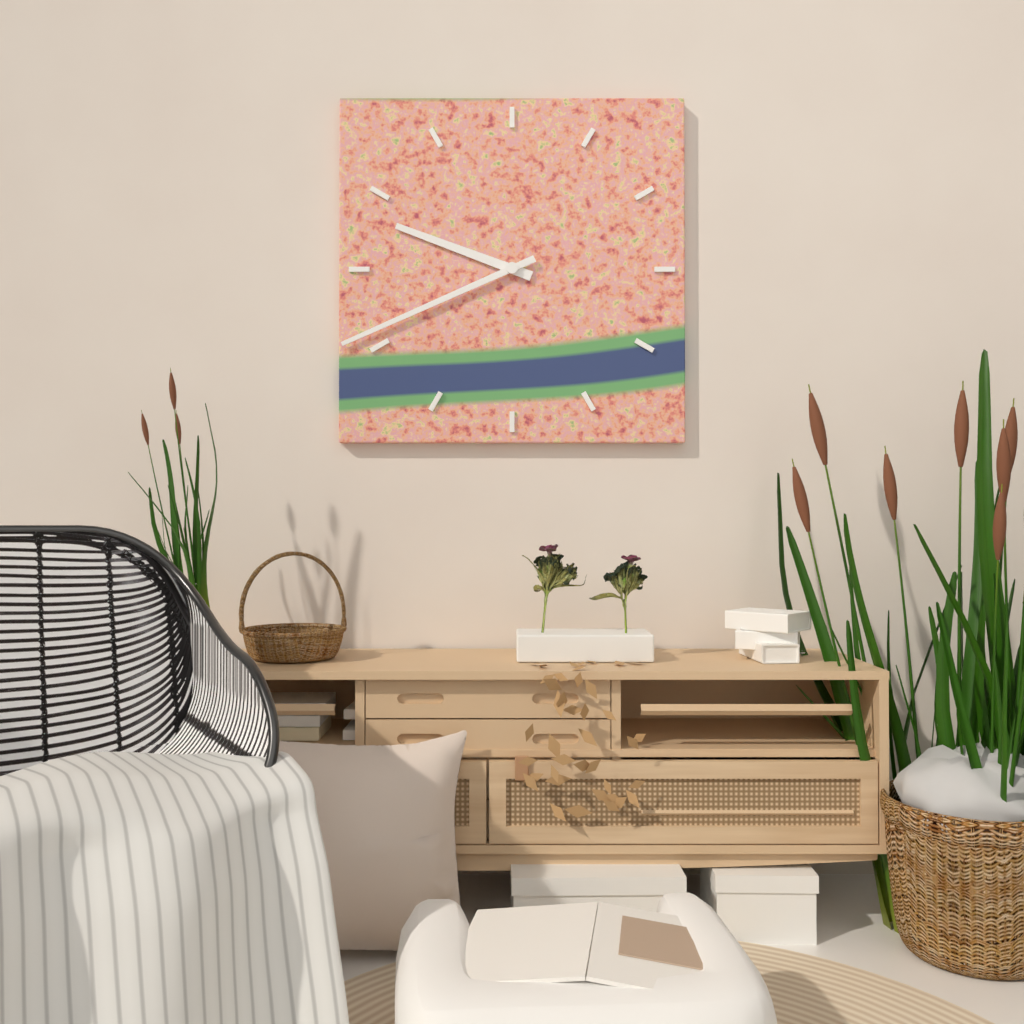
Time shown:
{"hour": 9, "minute": 41}
